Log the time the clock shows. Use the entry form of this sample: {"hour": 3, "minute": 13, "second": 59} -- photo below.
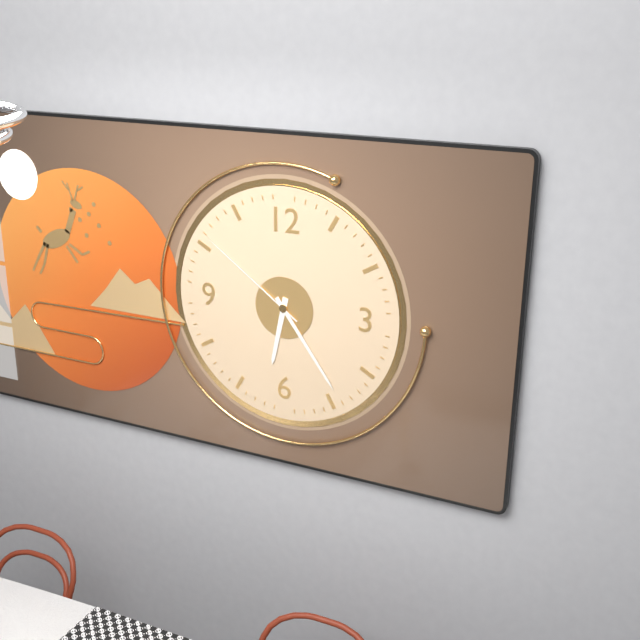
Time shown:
{"hour": 6, "minute": 24, "second": 51}
